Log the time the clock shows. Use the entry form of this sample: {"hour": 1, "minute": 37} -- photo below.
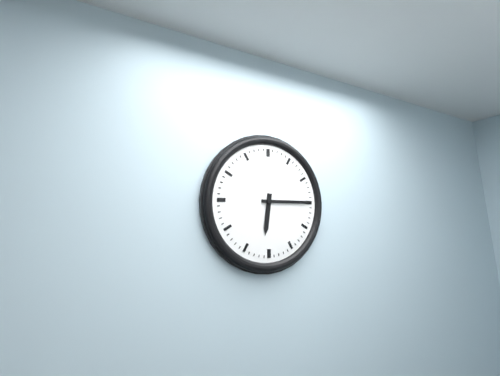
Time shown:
{"hour": 6, "minute": 15}
